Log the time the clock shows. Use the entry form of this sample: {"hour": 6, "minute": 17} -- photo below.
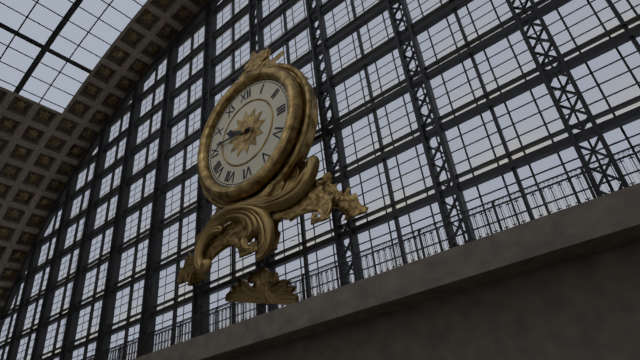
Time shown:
{"hour": 9, "minute": 46}
